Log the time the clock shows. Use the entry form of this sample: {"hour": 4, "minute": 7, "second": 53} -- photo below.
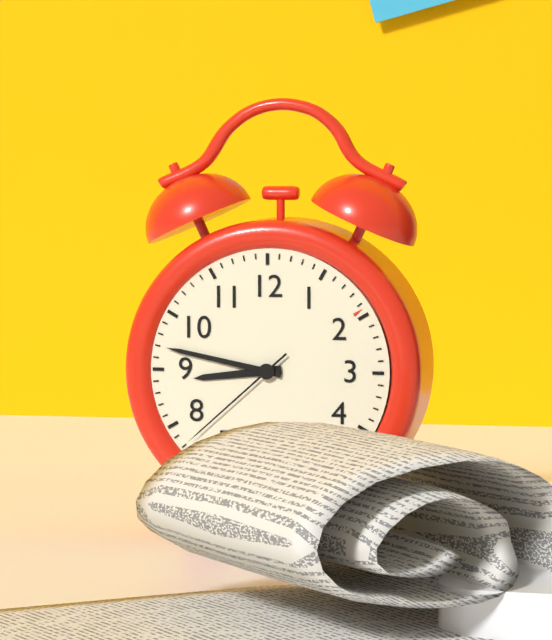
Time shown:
{"hour": 8, "minute": 47, "second": 38}
